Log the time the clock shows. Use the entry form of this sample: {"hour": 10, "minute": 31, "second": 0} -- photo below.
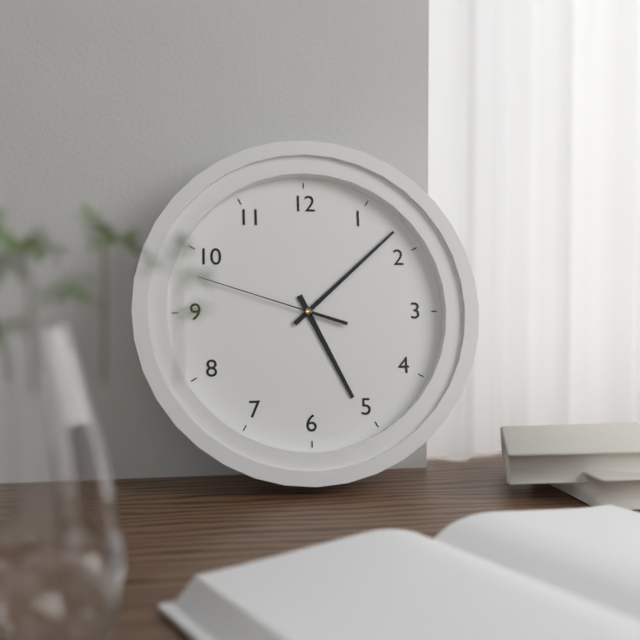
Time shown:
{"hour": 5, "minute": 8, "second": 48}
